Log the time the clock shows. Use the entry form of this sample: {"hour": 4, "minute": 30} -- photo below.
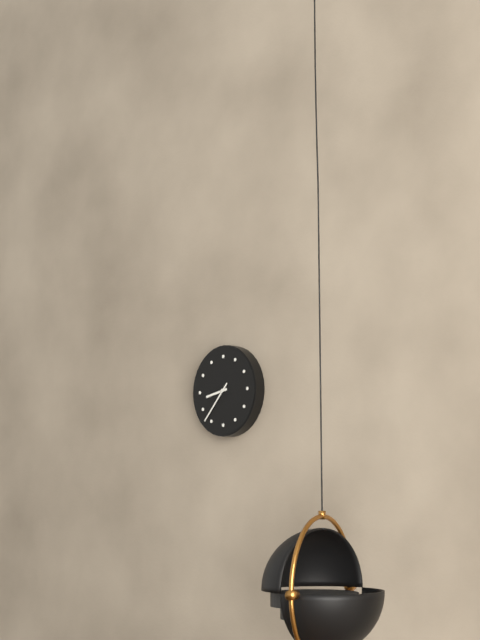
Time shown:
{"hour": 8, "minute": 37}
